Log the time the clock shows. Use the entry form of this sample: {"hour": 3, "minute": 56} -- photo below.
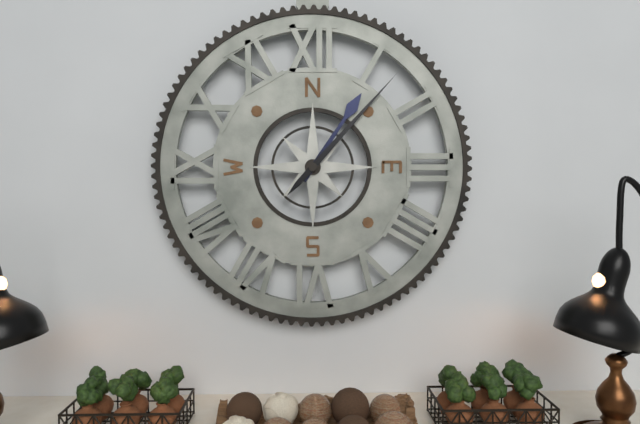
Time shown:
{"hour": 1, "minute": 7}
